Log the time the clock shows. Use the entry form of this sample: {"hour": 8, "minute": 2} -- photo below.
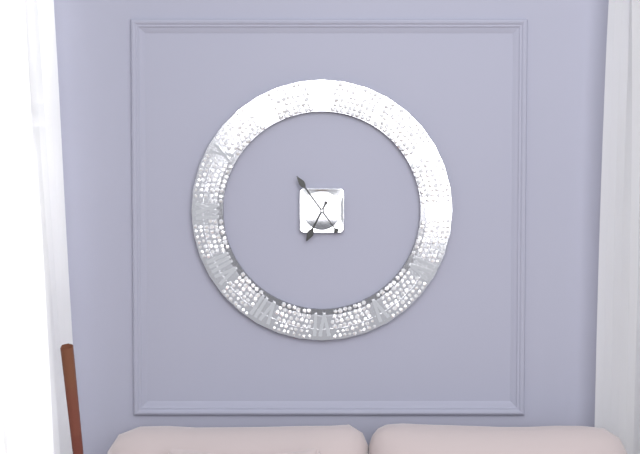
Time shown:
{"hour": 6, "minute": 54}
